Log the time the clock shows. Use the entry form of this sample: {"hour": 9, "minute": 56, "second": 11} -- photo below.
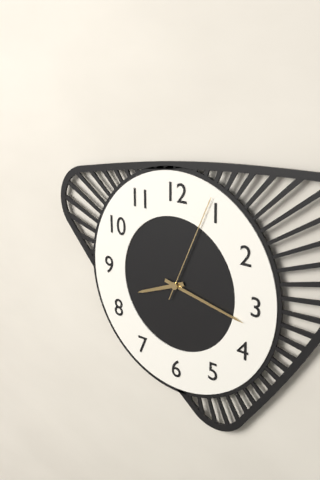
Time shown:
{"hour": 8, "minute": 17, "second": 4}
